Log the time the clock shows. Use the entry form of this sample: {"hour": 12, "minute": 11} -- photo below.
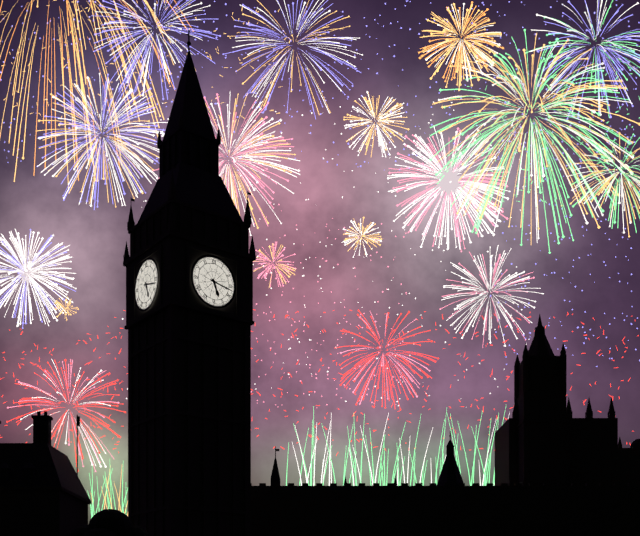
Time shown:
{"hour": 5, "minute": 17}
